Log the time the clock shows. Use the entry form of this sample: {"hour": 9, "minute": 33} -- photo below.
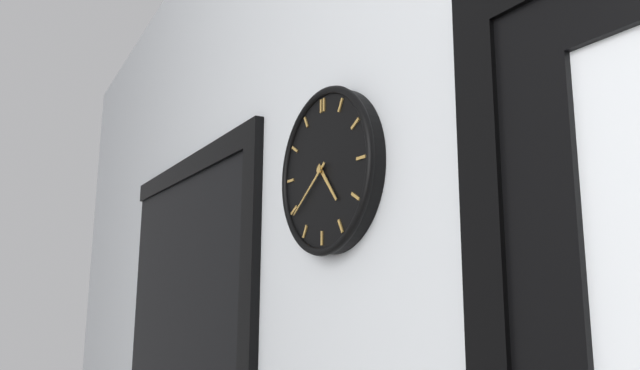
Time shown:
{"hour": 4, "minute": 39}
